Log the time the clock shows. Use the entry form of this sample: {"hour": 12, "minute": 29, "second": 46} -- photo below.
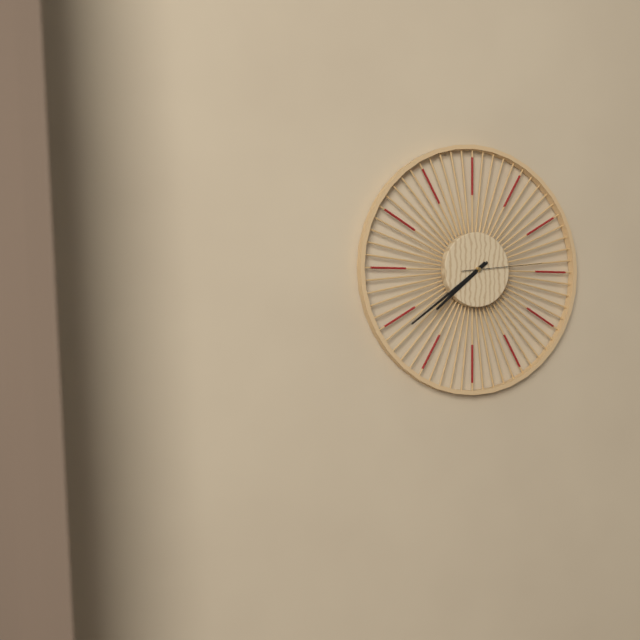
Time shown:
{"hour": 7, "minute": 39, "second": 14}
